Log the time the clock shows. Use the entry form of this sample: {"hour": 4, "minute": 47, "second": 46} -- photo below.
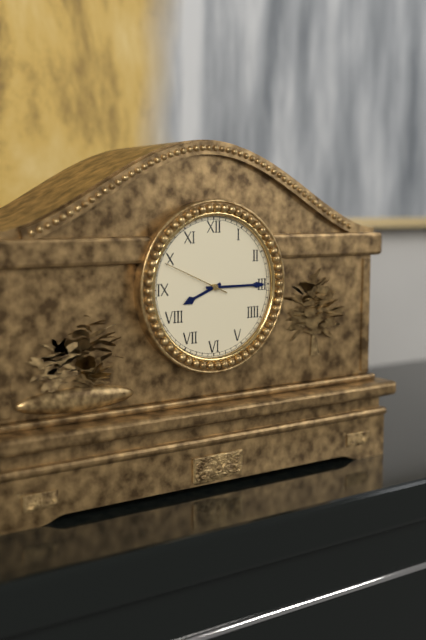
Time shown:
{"hour": 8, "minute": 15, "second": 49}
